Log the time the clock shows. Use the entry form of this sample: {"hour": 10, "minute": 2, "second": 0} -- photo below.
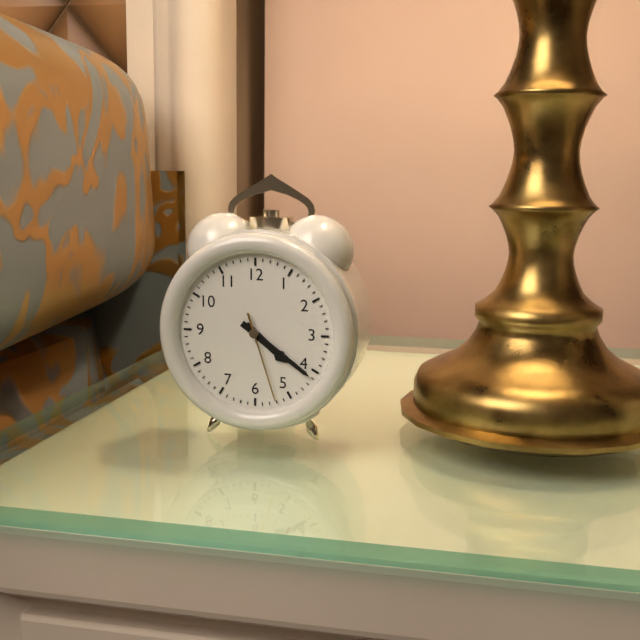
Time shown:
{"hour": 4, "minute": 21, "second": 27}
